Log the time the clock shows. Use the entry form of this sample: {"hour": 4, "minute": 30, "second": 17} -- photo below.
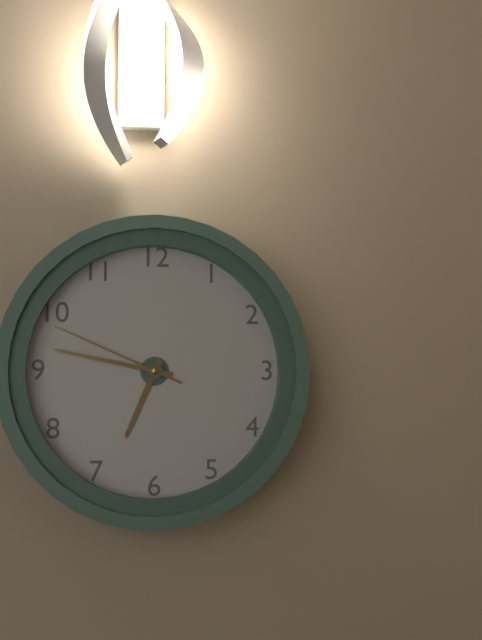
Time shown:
{"hour": 6, "minute": 47, "second": 49}
